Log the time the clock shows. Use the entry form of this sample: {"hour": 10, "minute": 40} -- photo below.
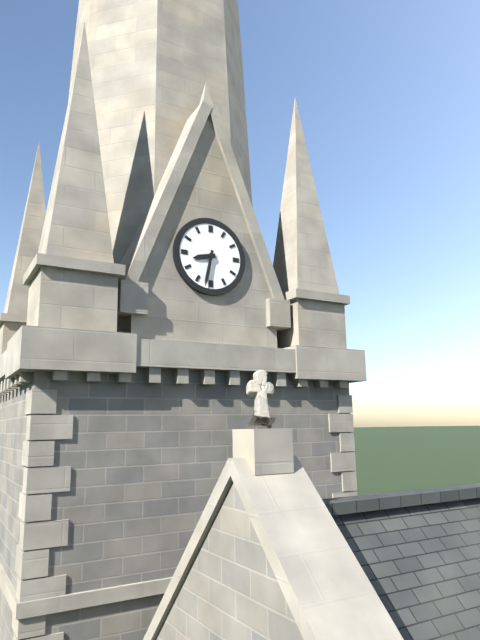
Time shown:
{"hour": 8, "minute": 32}
